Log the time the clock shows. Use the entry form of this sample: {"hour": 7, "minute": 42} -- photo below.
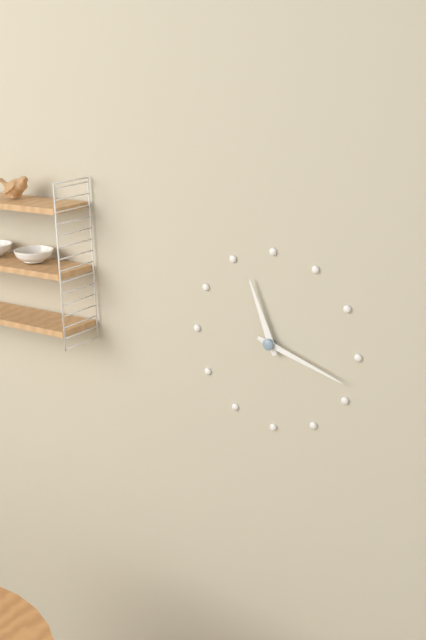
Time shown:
{"hour": 11, "minute": 18}
